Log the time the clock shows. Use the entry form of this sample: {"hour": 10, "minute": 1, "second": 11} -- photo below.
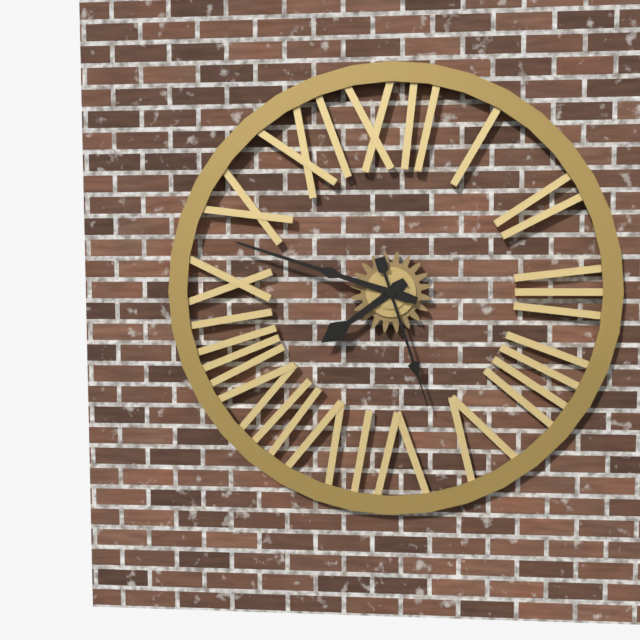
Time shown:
{"hour": 7, "minute": 48, "second": 27}
